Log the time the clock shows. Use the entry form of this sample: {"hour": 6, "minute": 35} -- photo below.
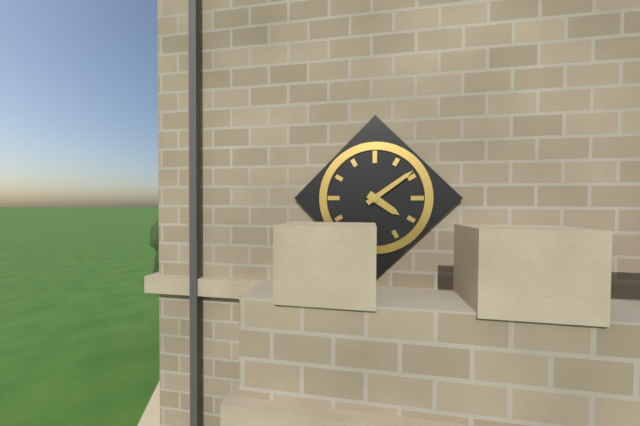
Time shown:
{"hour": 4, "minute": 9}
